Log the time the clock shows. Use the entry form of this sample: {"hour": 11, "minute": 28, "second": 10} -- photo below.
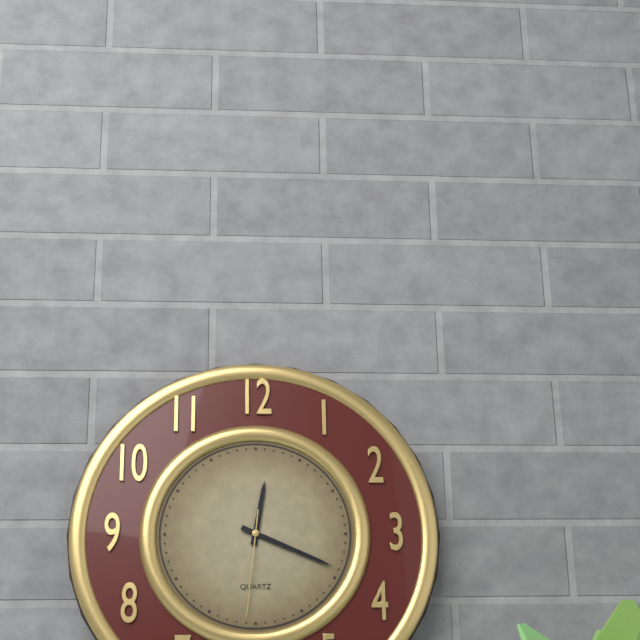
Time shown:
{"hour": 12, "minute": 19, "second": 31}
